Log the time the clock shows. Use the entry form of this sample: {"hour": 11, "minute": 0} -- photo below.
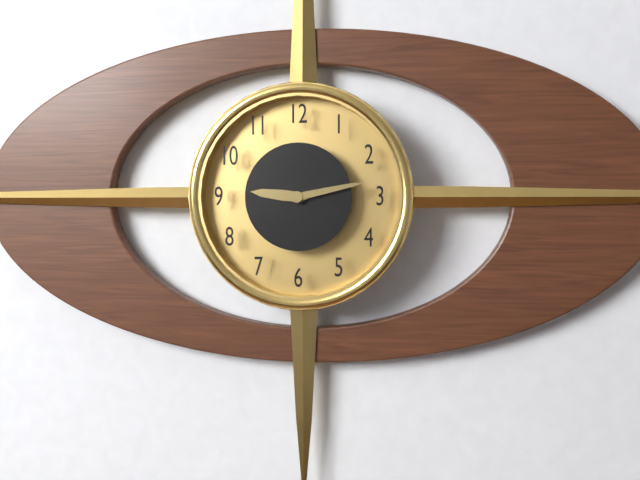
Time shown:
{"hour": 9, "minute": 13}
